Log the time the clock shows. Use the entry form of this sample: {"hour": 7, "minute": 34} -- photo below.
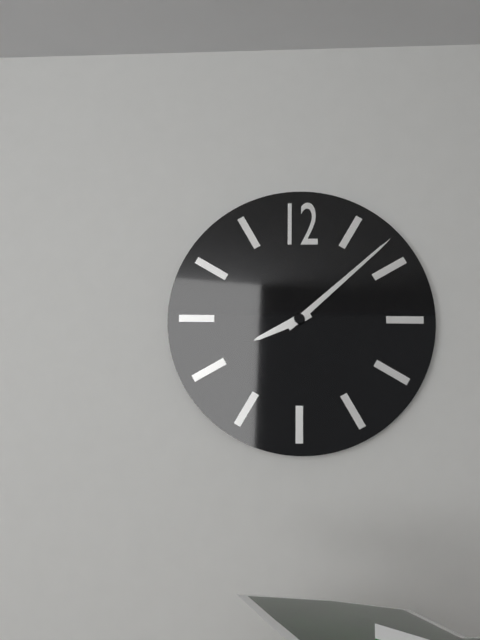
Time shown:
{"hour": 8, "minute": 8}
